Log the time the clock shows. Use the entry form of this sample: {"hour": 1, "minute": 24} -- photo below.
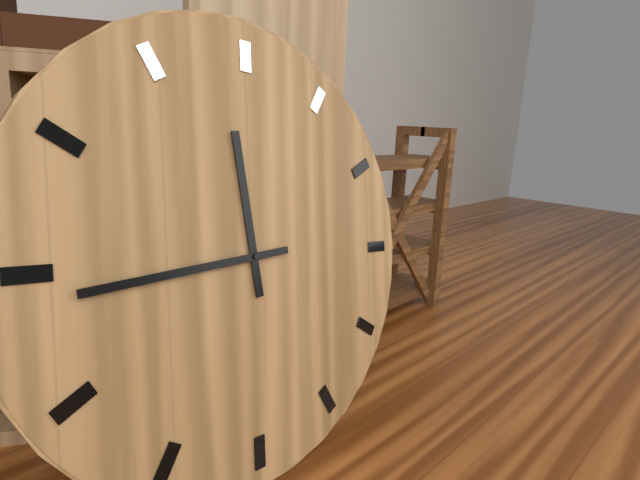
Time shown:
{"hour": 11, "minute": 44}
